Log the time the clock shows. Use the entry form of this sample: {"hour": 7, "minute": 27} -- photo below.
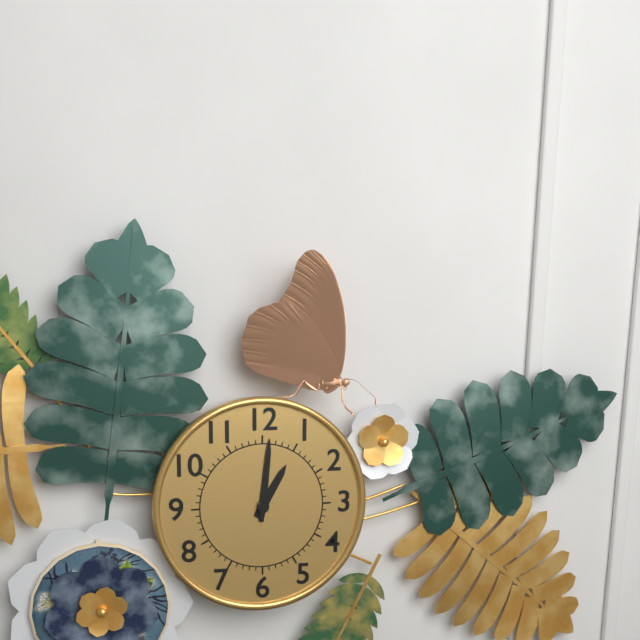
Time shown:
{"hour": 1, "minute": 1}
